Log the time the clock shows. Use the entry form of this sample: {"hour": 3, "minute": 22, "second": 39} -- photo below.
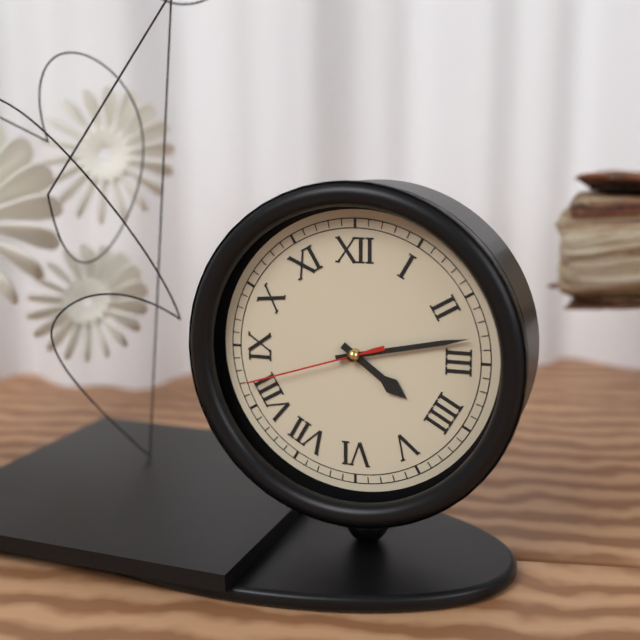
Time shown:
{"hour": 4, "minute": 13, "second": 42}
